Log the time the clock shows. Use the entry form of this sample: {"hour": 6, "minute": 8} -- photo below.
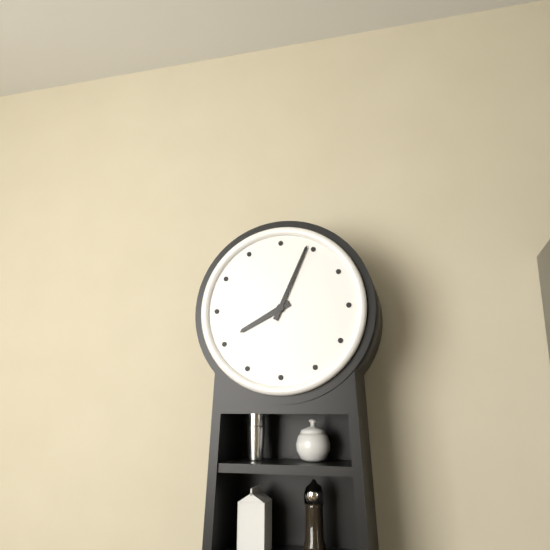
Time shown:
{"hour": 8, "minute": 4}
